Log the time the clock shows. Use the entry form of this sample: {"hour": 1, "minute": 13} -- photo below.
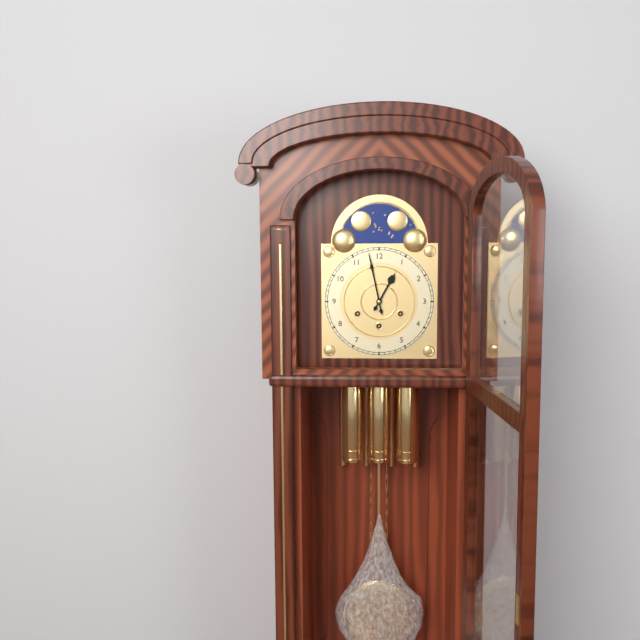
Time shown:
{"hour": 12, "minute": 58}
